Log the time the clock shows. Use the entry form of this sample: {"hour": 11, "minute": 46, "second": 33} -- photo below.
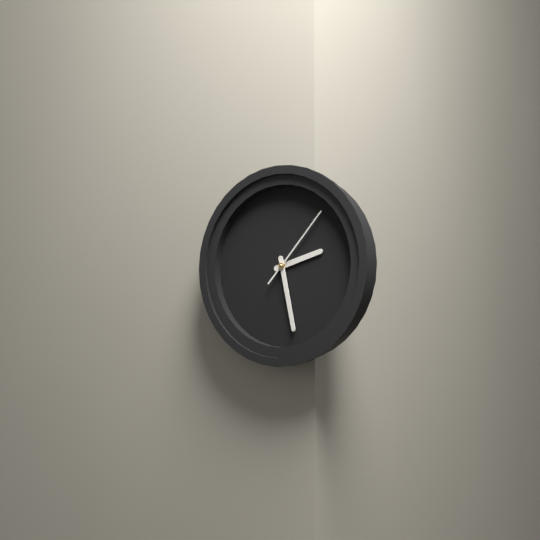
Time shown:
{"hour": 2, "minute": 28, "second": 7}
